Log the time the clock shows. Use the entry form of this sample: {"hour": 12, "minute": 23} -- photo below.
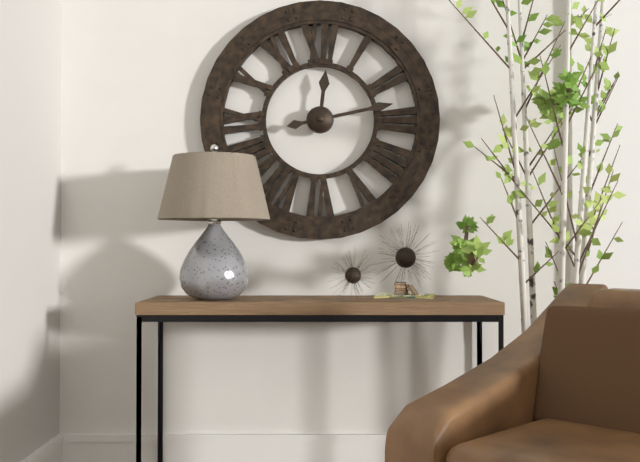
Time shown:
{"hour": 12, "minute": 13}
